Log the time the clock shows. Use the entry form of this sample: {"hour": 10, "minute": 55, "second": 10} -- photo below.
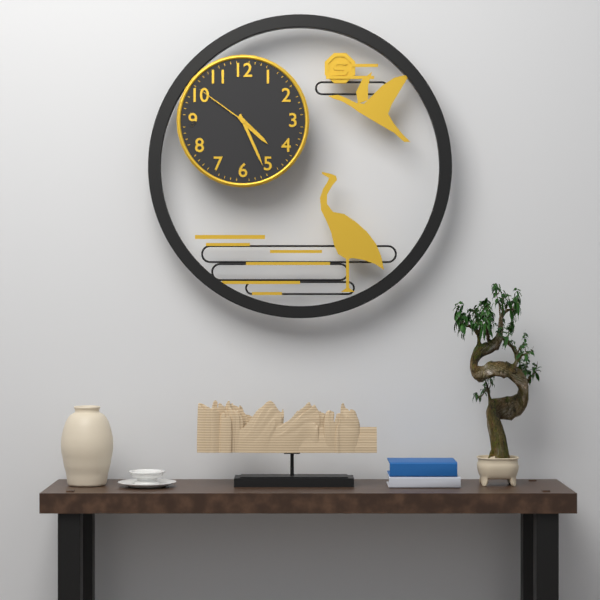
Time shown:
{"hour": 4, "minute": 26, "second": 51}
